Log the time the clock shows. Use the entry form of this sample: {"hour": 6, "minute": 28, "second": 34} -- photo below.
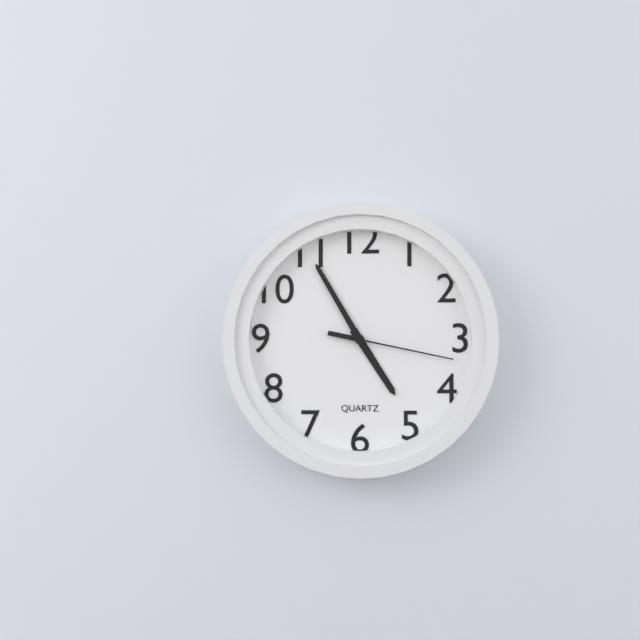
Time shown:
{"hour": 4, "minute": 55, "second": 17}
